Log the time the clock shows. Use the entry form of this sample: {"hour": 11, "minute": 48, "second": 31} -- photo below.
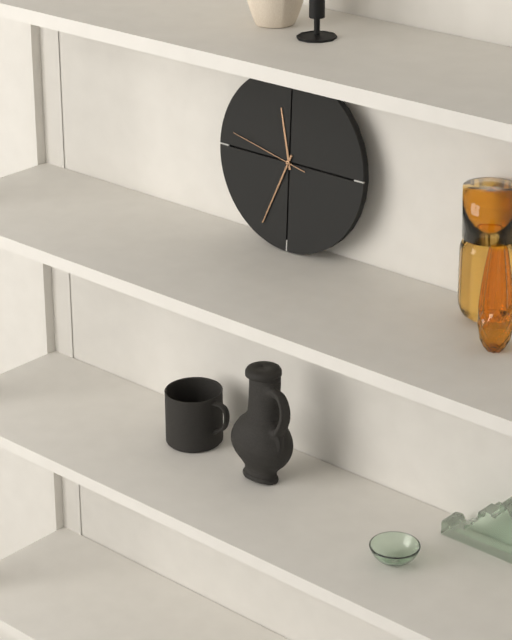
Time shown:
{"hour": 11, "minute": 34, "second": 47}
